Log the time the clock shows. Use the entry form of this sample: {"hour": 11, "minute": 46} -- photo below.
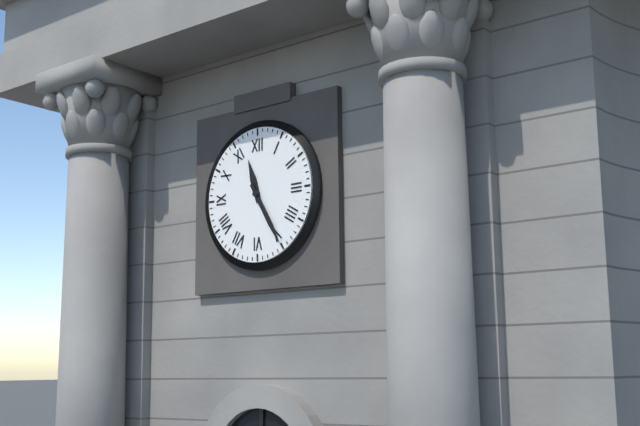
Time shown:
{"hour": 11, "minute": 25}
